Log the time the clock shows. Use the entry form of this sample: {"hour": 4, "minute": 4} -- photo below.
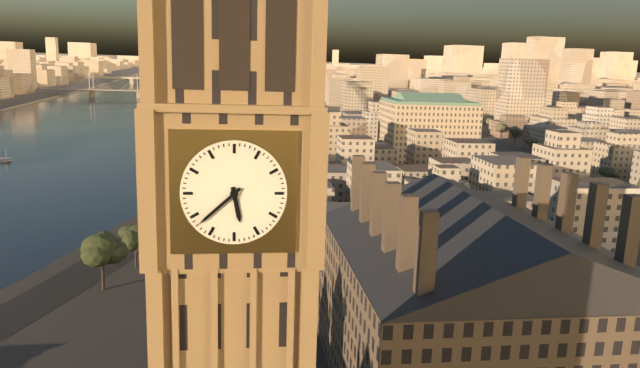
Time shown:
{"hour": 5, "minute": 38}
